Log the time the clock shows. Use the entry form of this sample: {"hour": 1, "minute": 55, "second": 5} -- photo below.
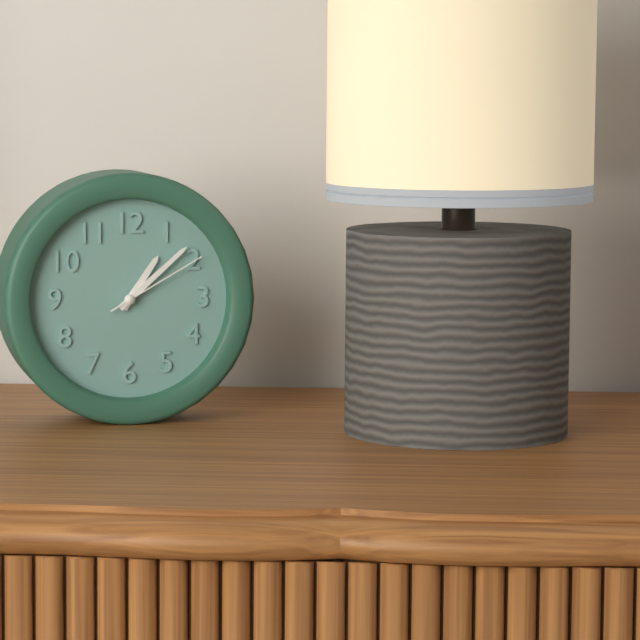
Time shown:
{"hour": 1, "minute": 8, "second": 10}
